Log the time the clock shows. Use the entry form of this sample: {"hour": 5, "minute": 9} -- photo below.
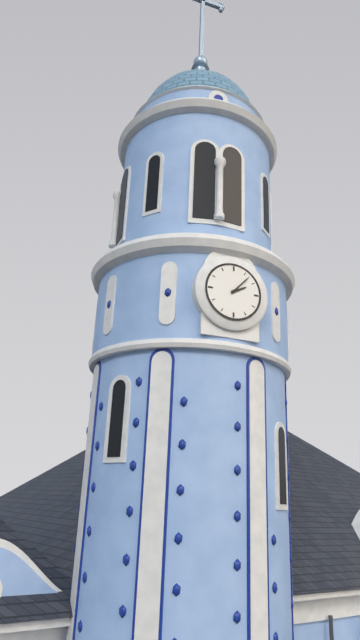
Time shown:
{"hour": 2, "minute": 7}
